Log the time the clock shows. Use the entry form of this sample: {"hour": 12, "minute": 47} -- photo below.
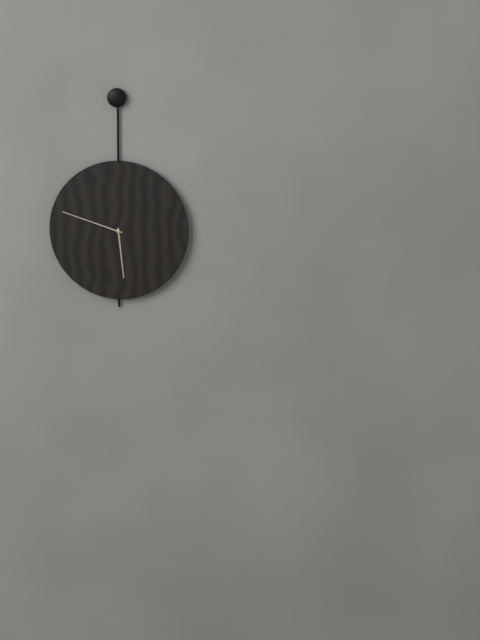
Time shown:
{"hour": 5, "minute": 48}
